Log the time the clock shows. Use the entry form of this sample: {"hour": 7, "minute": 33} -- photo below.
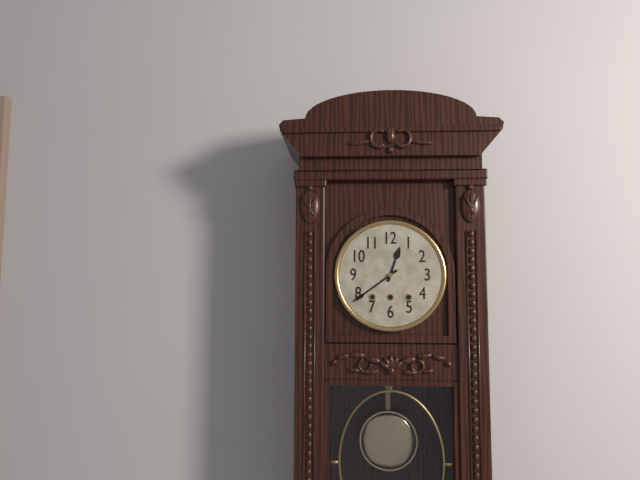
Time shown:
{"hour": 12, "minute": 39}
